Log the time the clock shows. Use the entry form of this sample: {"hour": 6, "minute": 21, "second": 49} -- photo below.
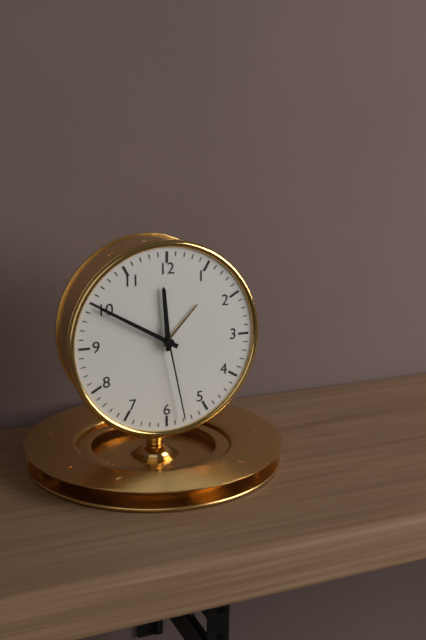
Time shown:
{"hour": 11, "minute": 50, "second": 28}
